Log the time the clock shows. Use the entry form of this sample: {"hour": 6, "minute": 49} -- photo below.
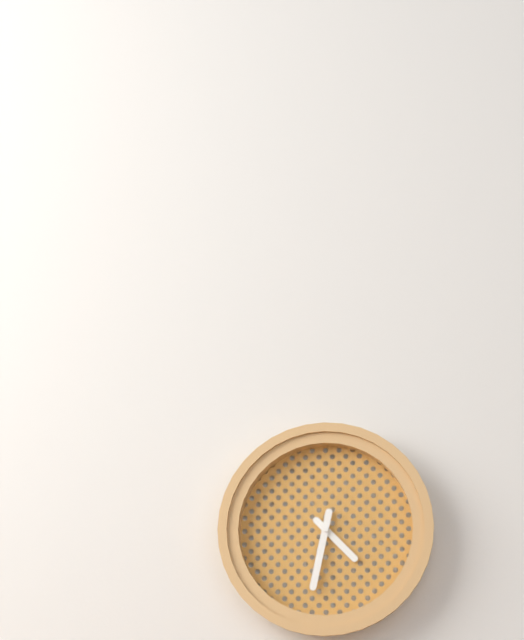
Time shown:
{"hour": 4, "minute": 32}
